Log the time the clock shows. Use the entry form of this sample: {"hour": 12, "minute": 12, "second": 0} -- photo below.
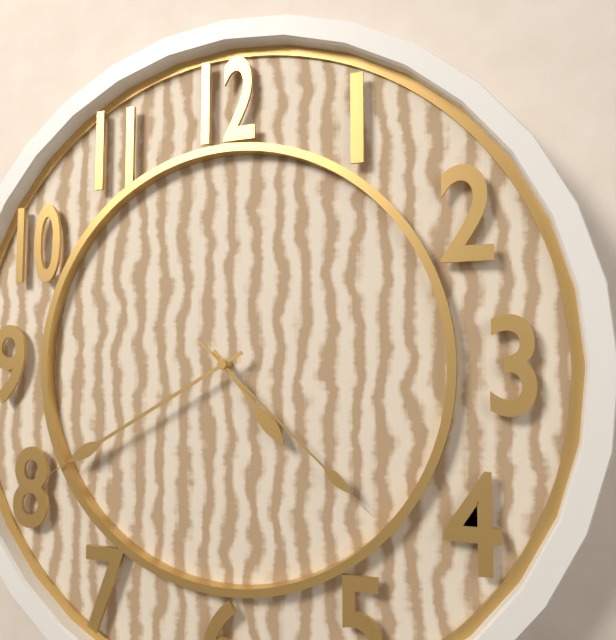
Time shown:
{"hour": 4, "minute": 40, "second": 22}
